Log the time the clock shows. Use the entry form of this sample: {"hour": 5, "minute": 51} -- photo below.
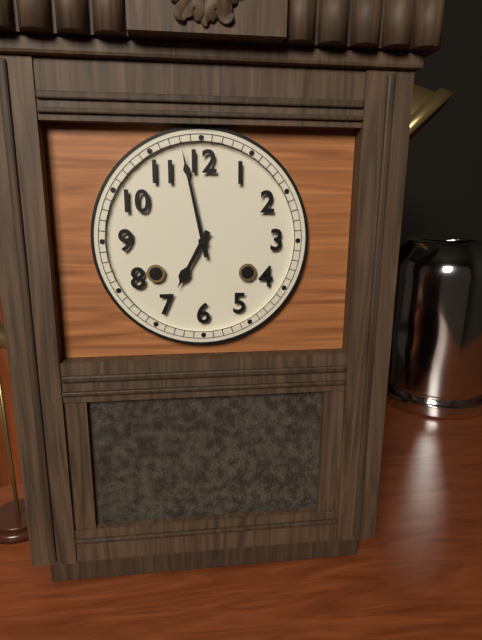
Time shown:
{"hour": 6, "minute": 58}
